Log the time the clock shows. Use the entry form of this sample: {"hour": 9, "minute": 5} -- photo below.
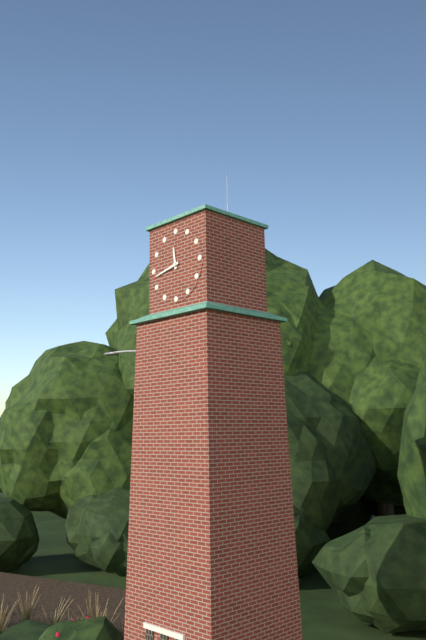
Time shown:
{"hour": 11, "minute": 43}
